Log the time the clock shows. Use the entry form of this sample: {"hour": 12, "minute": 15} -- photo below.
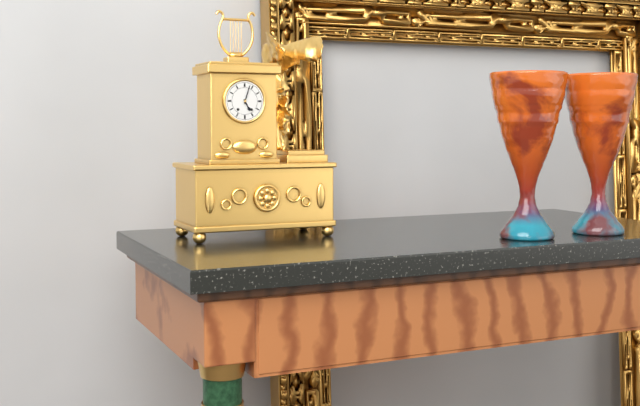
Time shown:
{"hour": 5, "minute": 3}
